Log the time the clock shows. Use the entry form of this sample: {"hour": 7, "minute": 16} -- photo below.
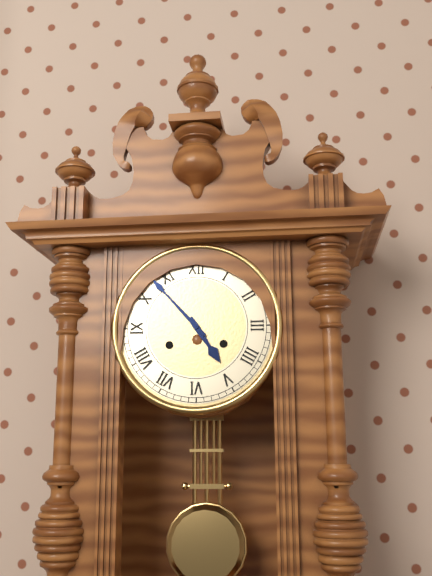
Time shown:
{"hour": 4, "minute": 53}
